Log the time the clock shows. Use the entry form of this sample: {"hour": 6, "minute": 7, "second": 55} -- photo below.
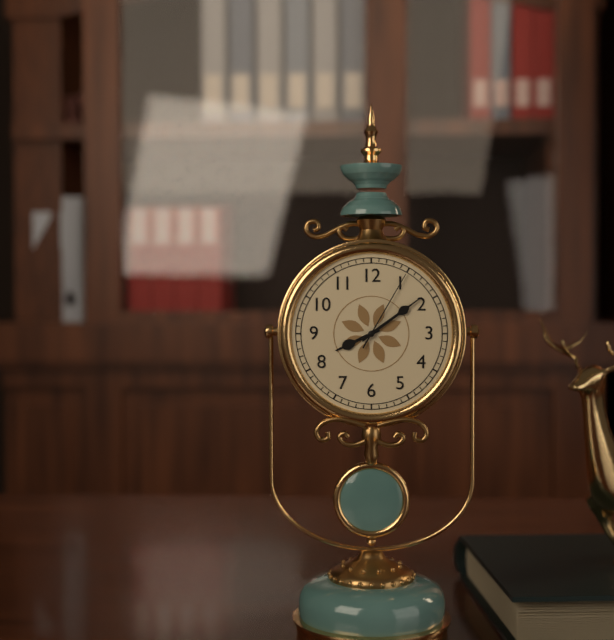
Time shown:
{"hour": 8, "minute": 9, "second": 5}
